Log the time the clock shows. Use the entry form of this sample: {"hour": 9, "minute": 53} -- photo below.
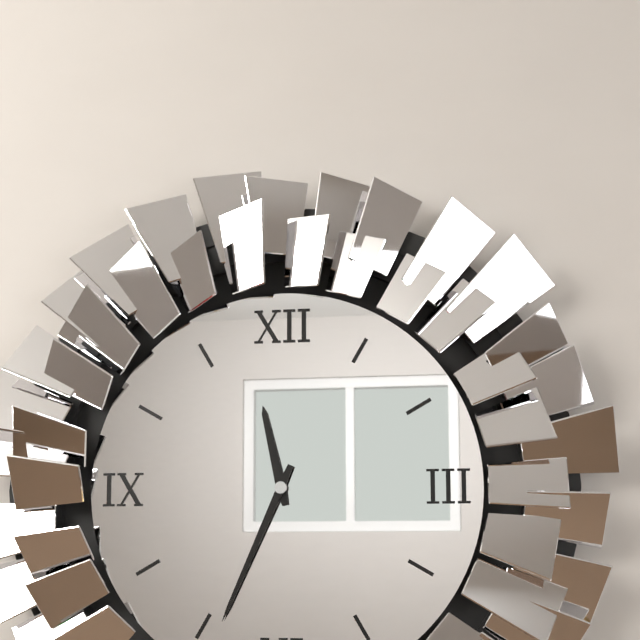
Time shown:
{"hour": 11, "minute": 34}
